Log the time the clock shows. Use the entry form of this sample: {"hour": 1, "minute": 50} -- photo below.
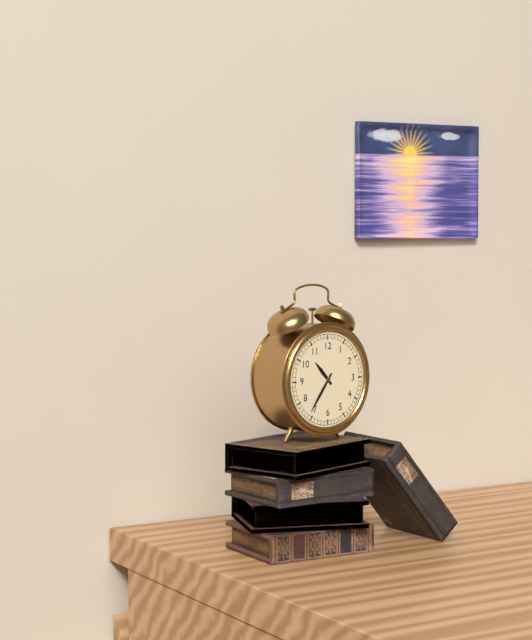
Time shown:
{"hour": 10, "minute": 36}
